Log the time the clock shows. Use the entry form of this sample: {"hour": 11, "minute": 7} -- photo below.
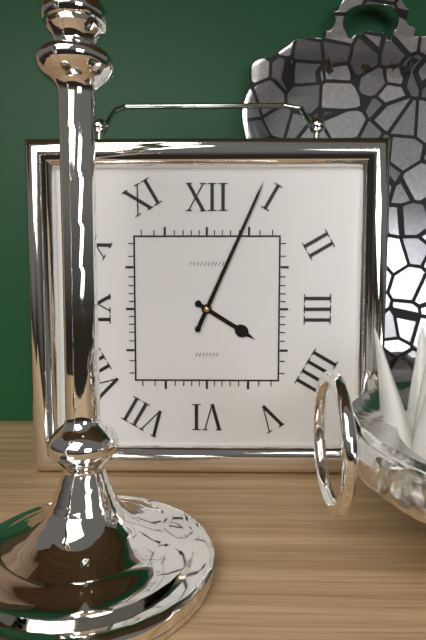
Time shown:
{"hour": 4, "minute": 4}
